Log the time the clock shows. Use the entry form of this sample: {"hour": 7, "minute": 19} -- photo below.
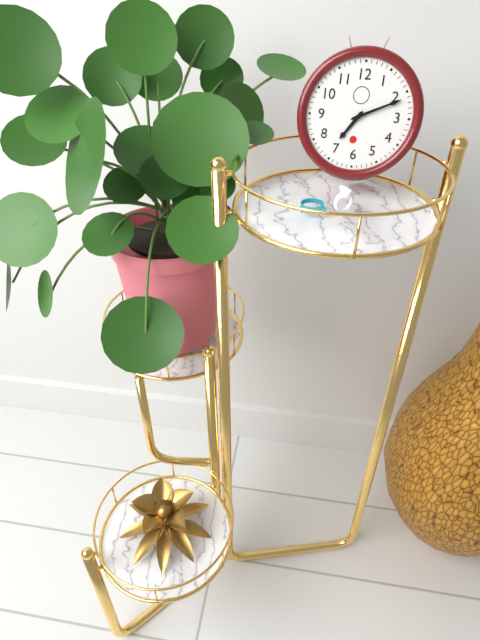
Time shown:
{"hour": 7, "minute": 11}
